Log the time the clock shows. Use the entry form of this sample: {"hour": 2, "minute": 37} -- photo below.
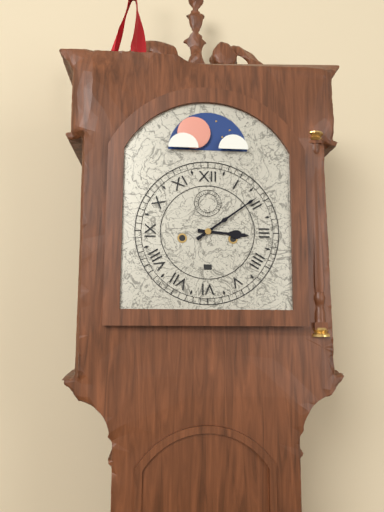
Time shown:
{"hour": 3, "minute": 9}
